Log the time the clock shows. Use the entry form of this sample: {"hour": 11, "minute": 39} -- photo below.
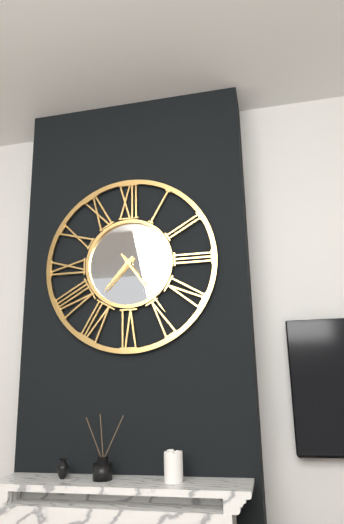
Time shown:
{"hour": 7, "minute": 24}
